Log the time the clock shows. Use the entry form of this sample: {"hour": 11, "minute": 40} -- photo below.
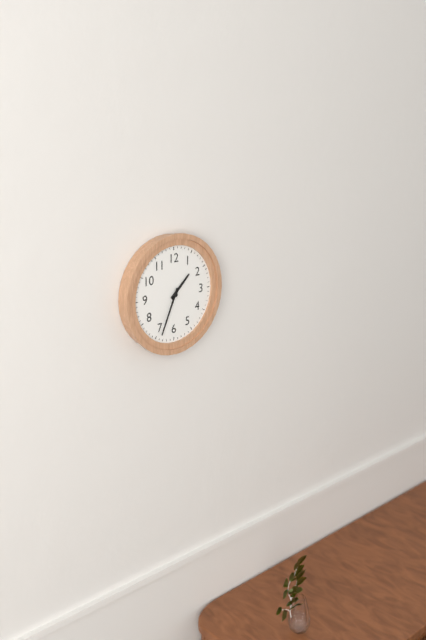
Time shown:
{"hour": 1, "minute": 34}
